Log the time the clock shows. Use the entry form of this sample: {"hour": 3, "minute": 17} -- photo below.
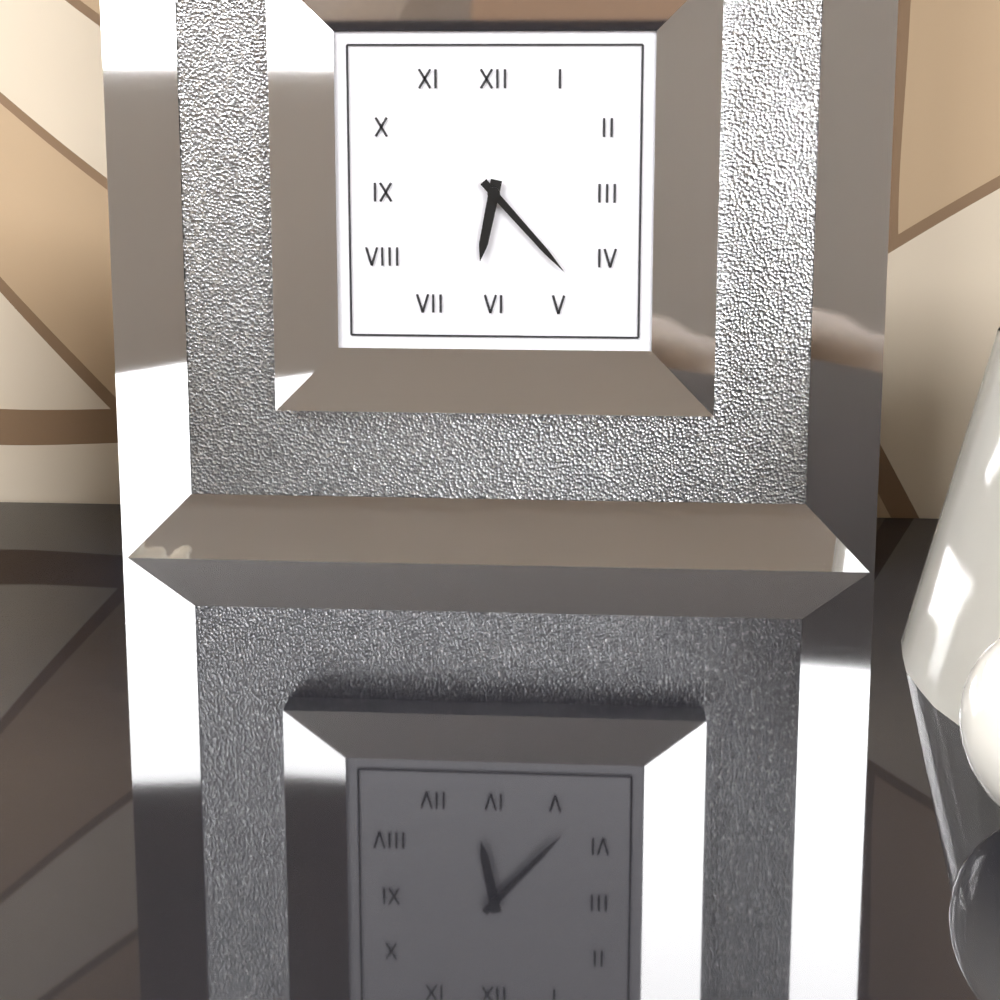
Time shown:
{"hour": 6, "minute": 23}
